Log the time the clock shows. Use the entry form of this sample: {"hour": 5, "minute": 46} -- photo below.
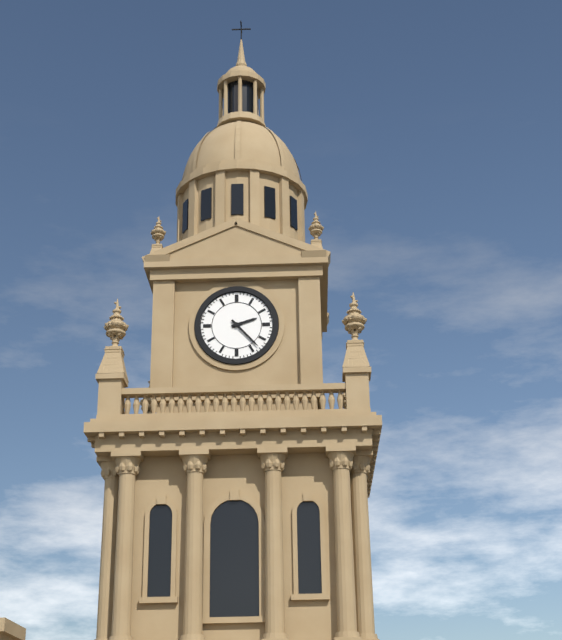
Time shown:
{"hour": 2, "minute": 23}
